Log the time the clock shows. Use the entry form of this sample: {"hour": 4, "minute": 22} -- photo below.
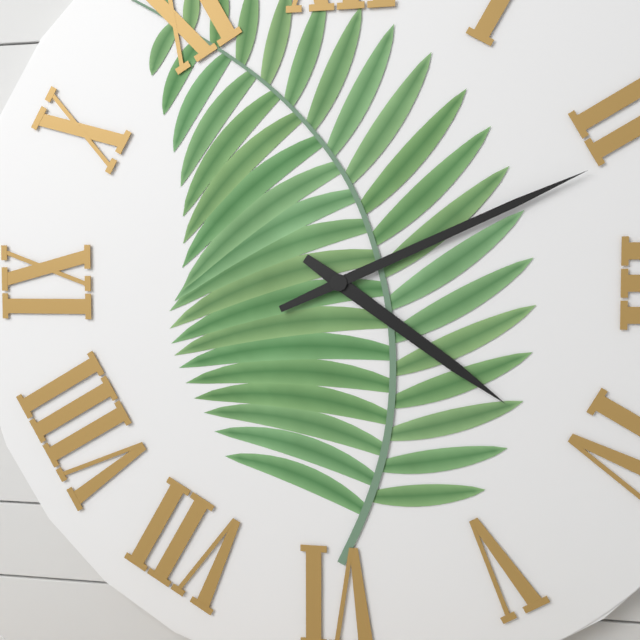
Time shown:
{"hour": 4, "minute": 11}
